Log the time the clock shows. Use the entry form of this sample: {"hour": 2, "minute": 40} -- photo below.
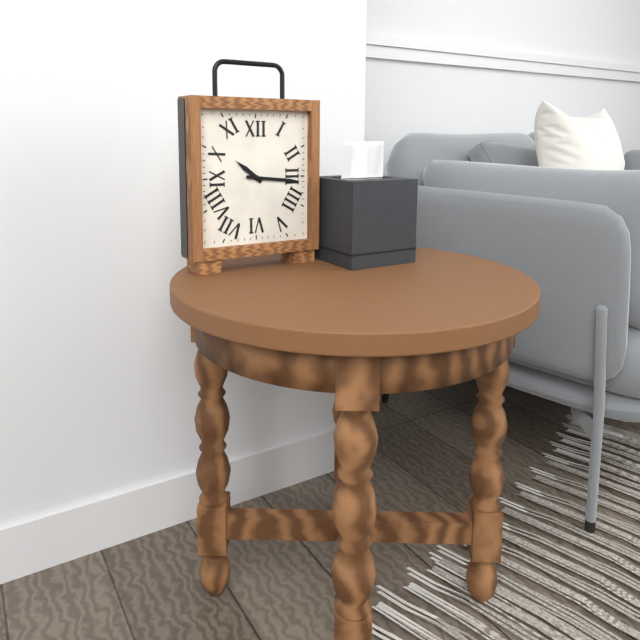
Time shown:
{"hour": 10, "minute": 16}
